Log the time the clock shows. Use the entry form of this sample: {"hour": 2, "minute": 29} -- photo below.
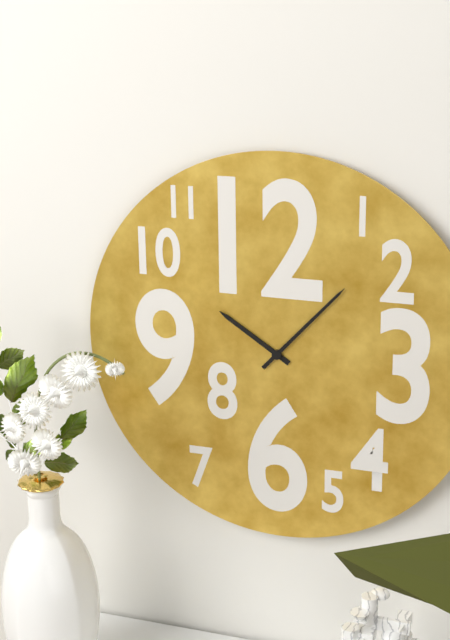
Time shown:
{"hour": 10, "minute": 7}
